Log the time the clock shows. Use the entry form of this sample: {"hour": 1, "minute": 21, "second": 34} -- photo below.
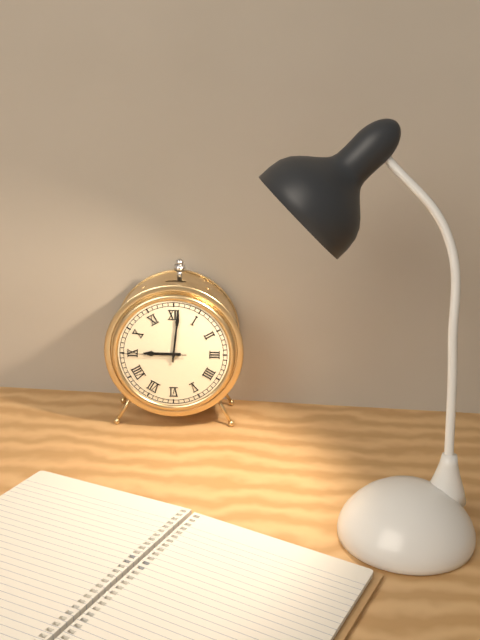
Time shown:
{"hour": 9, "minute": 1, "second": 45}
